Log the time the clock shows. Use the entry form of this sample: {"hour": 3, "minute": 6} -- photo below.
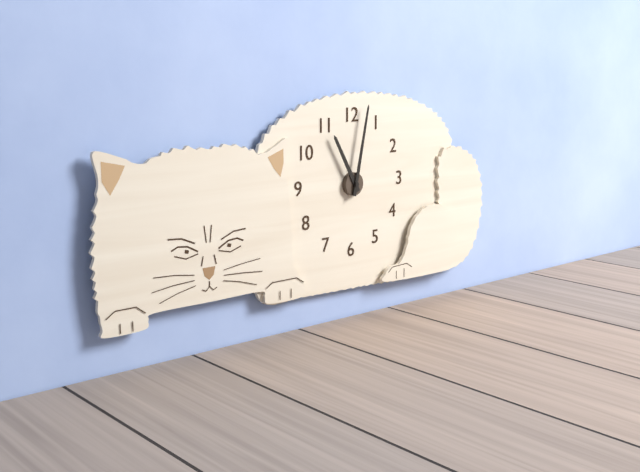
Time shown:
{"hour": 11, "minute": 2}
